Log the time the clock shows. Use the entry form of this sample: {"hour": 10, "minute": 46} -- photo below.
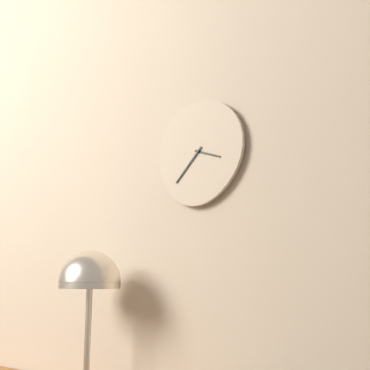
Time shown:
{"hour": 3, "minute": 37}
